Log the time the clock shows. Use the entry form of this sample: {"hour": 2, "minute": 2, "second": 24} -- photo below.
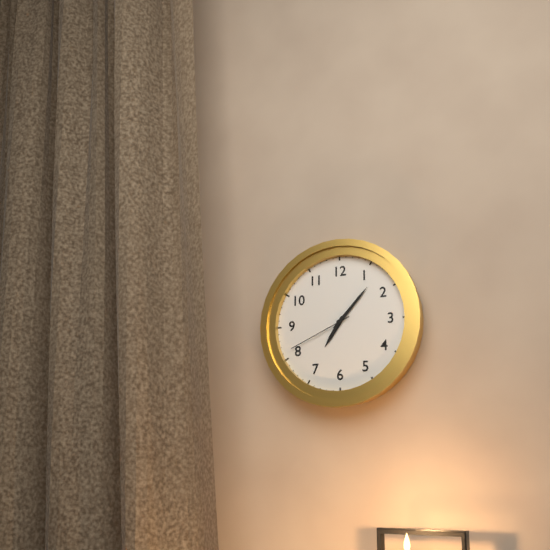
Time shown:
{"hour": 7, "minute": 7, "second": 41}
